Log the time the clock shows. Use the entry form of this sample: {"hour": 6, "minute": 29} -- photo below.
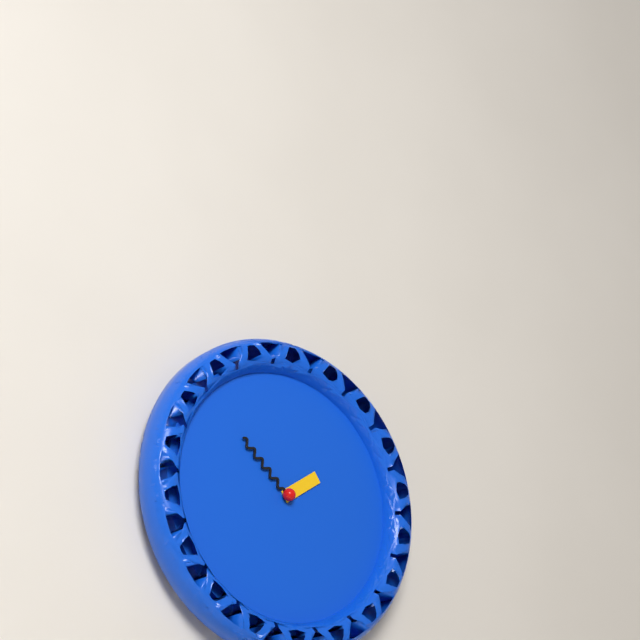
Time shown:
{"hour": 1, "minute": 52}
